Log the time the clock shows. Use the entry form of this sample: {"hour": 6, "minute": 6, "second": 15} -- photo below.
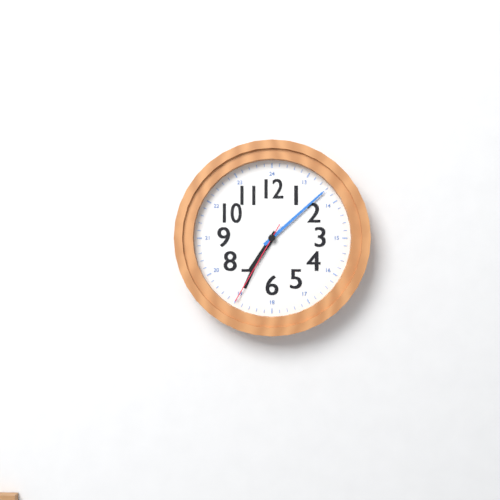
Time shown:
{"hour": 7, "minute": 8, "second": 35}
